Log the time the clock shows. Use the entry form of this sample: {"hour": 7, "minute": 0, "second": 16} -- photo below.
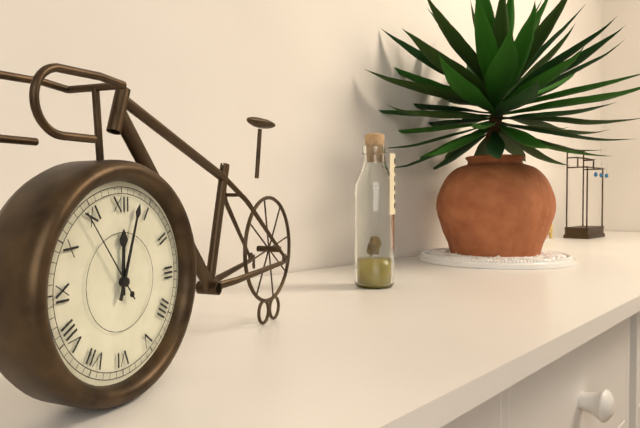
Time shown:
{"hour": 12, "minute": 3, "second": 54}
